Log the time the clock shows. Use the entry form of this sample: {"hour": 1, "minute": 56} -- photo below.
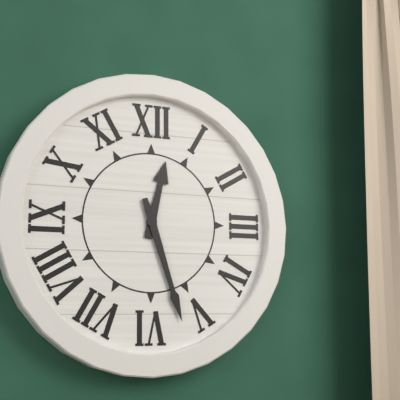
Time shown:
{"hour": 12, "minute": 27}
